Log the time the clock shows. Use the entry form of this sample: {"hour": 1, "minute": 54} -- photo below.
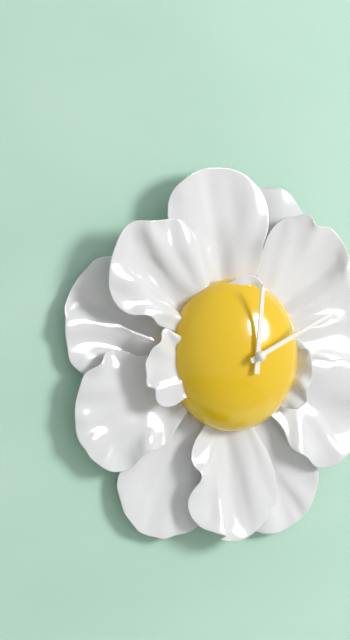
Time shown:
{"hour": 12, "minute": 11}
